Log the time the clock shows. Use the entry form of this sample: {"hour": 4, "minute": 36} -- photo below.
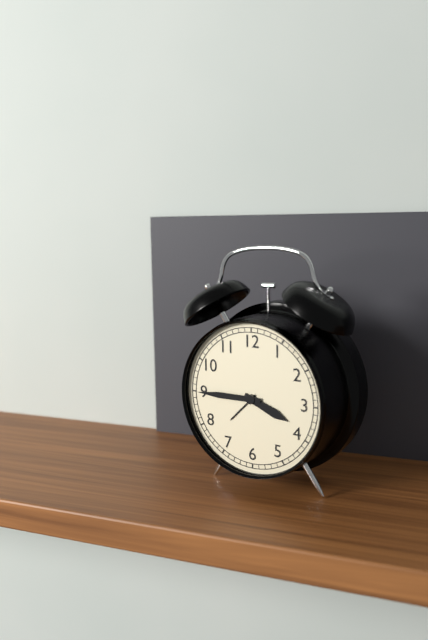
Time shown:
{"hour": 3, "minute": 45}
